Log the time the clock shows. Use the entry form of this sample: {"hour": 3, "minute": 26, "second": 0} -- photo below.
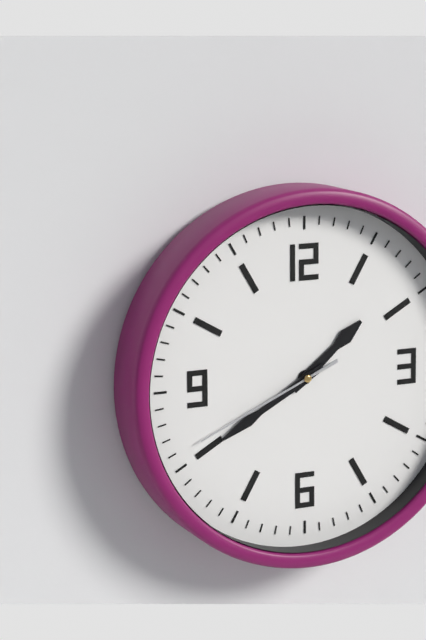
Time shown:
{"hour": 1, "minute": 40, "second": 41}
